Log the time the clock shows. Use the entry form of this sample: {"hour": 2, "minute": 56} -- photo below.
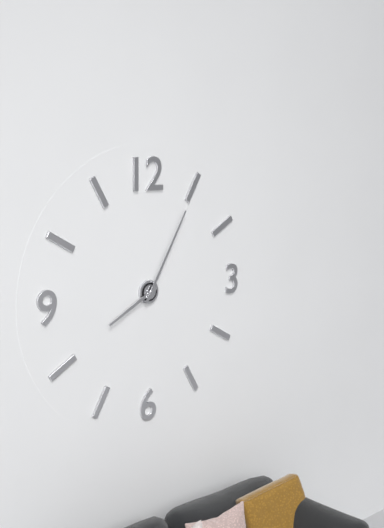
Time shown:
{"hour": 8, "minute": 5}
